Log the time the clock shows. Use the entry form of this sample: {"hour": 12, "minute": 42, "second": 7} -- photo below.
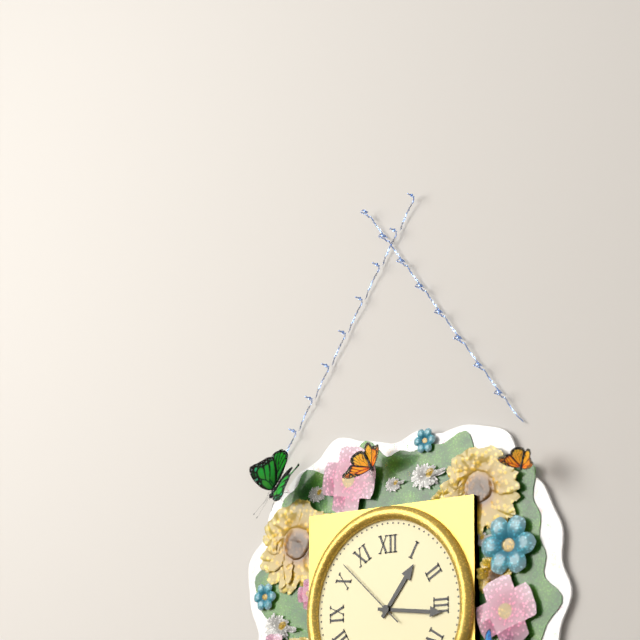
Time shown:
{"hour": 1, "minute": 16, "second": 52}
